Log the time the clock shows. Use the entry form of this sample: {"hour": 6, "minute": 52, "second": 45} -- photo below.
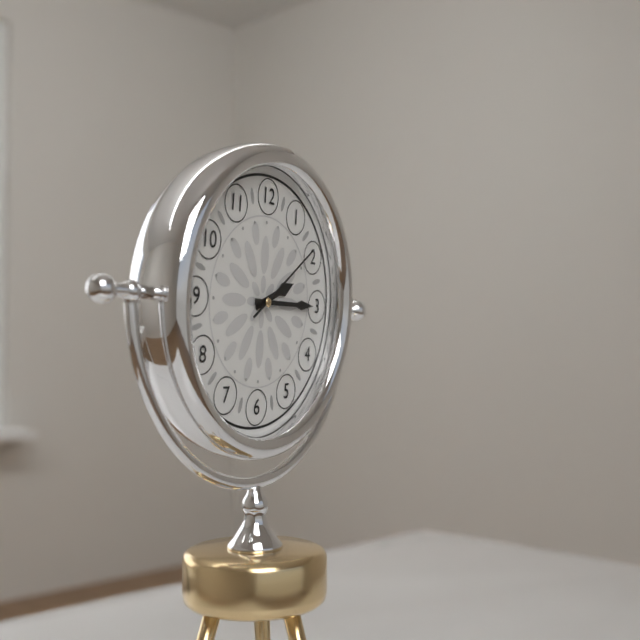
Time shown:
{"hour": 2, "minute": 15, "second": 9}
